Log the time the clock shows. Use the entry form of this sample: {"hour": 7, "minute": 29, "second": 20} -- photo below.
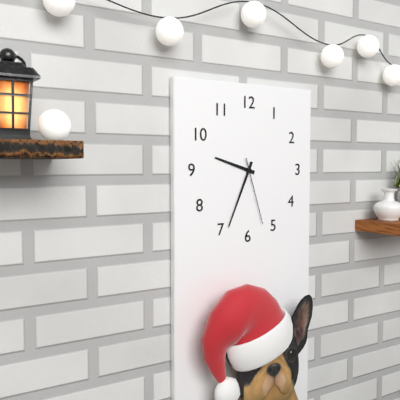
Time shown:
{"hour": 9, "minute": 34, "second": 27}
